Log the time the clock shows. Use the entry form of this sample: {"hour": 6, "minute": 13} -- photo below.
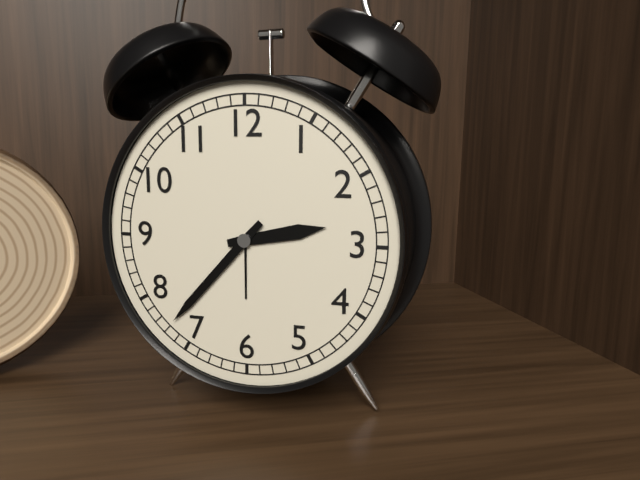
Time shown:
{"hour": 2, "minute": 37}
